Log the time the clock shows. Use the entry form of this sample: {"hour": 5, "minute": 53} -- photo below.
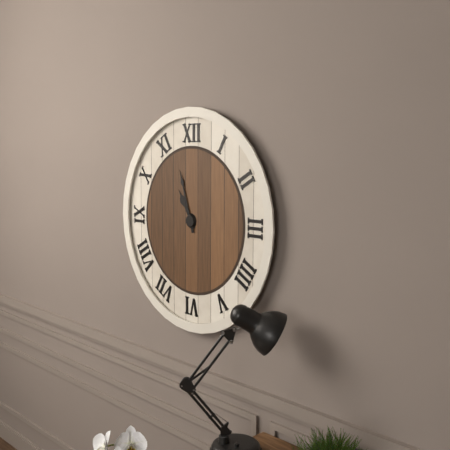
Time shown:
{"hour": 10, "minute": 57}
